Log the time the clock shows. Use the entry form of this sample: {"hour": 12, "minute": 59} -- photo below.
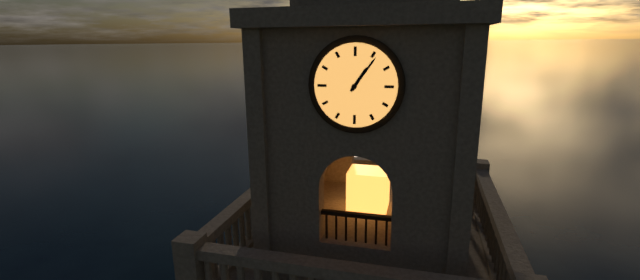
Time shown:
{"hour": 1, "minute": 6}
